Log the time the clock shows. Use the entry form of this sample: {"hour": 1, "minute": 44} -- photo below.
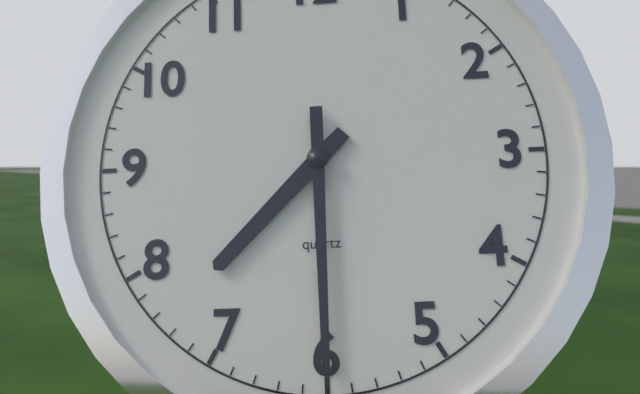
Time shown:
{"hour": 7, "minute": 30}
